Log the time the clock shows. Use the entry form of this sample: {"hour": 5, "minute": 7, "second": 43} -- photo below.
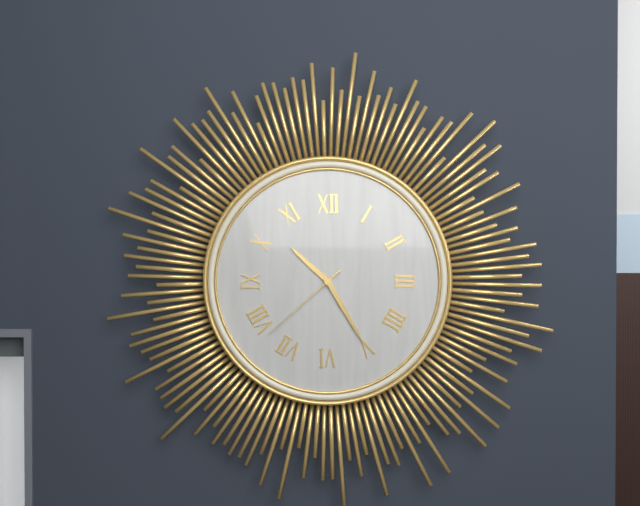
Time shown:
{"hour": 10, "minute": 25, "second": 38}
